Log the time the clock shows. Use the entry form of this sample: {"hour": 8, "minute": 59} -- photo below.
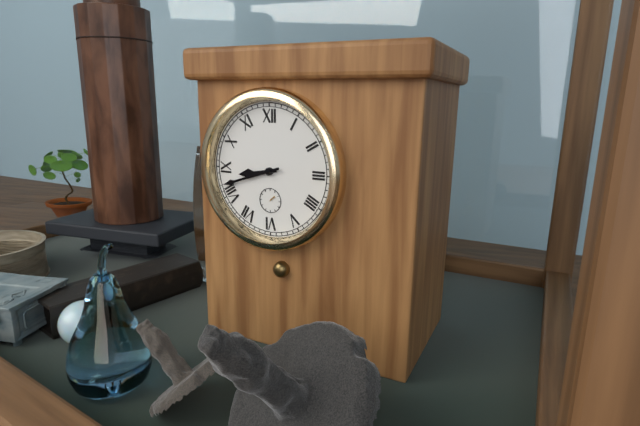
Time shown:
{"hour": 8, "minute": 42}
